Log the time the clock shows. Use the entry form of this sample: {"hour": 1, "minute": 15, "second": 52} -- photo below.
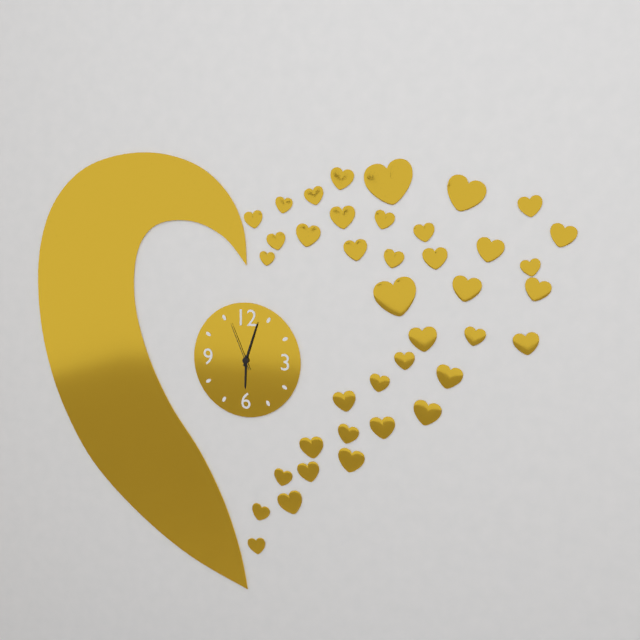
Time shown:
{"hour": 6, "minute": 3, "second": 56}
